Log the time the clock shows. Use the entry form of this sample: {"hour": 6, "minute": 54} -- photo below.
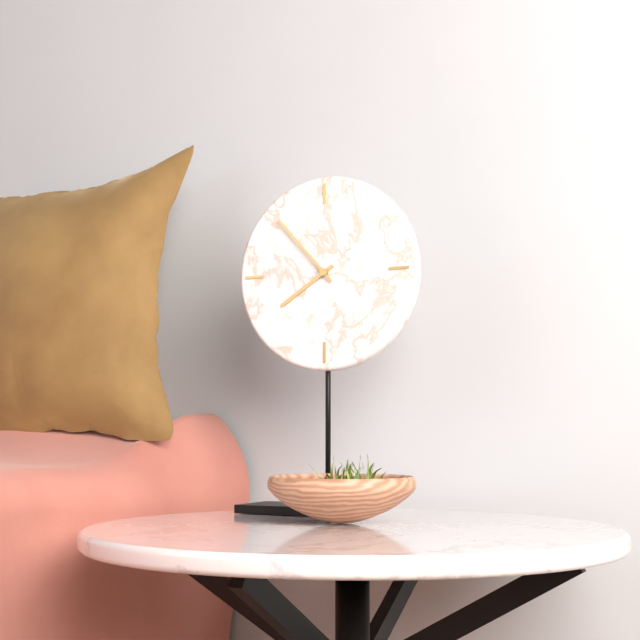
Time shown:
{"hour": 7, "minute": 53}
